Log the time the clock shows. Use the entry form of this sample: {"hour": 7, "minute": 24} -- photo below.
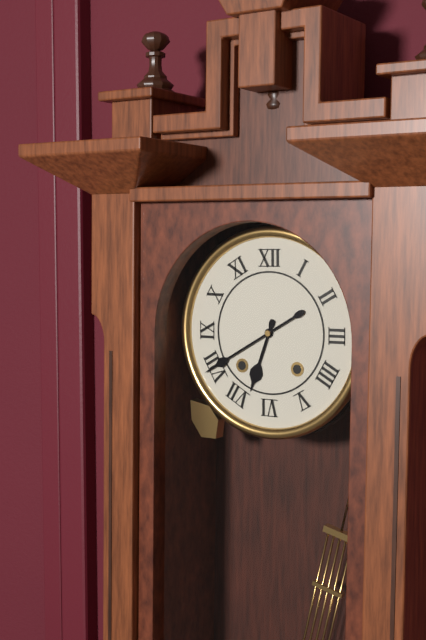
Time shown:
{"hour": 6, "minute": 40}
